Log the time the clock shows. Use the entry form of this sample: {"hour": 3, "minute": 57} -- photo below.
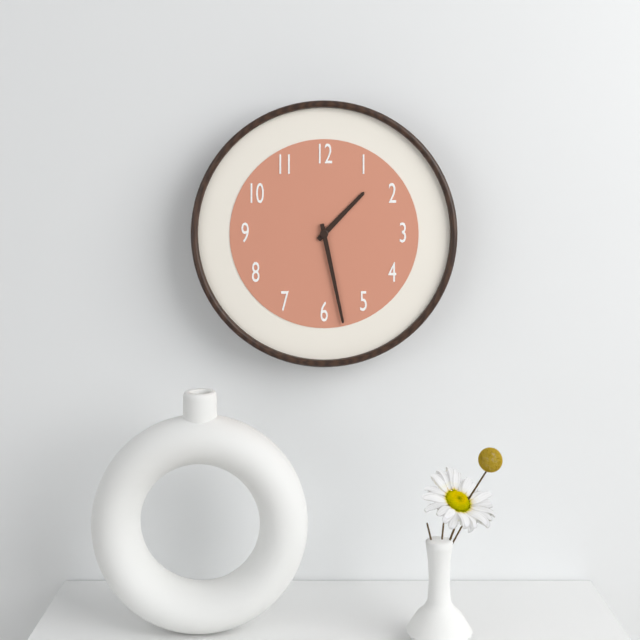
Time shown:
{"hour": 1, "minute": 28}
